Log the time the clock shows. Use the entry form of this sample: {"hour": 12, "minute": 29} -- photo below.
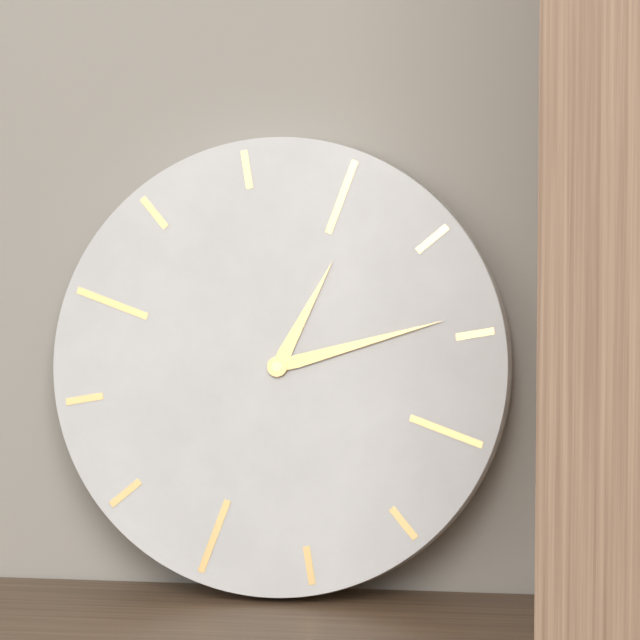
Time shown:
{"hour": 1, "minute": 14}
